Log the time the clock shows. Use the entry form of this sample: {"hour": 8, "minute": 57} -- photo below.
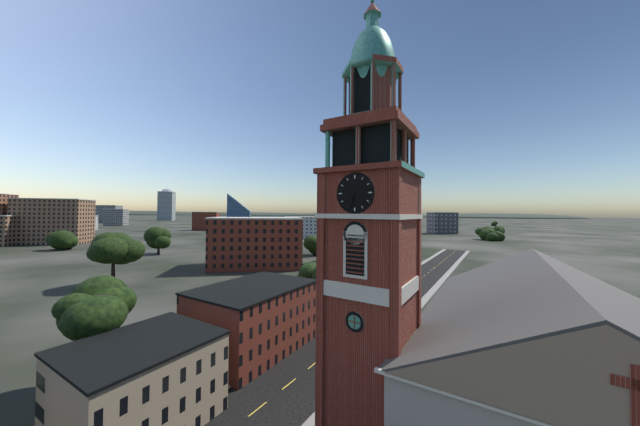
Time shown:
{"hour": 7, "minute": 33}
